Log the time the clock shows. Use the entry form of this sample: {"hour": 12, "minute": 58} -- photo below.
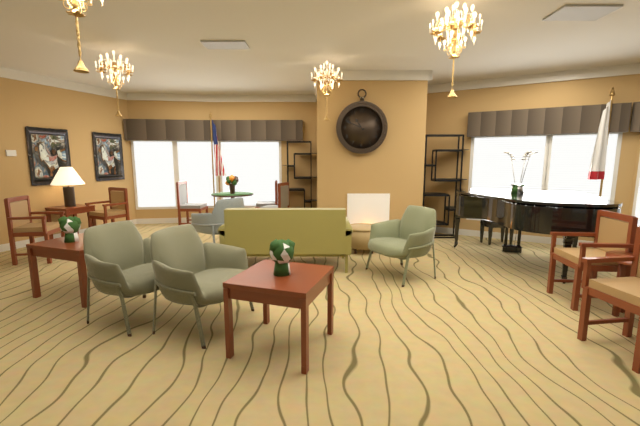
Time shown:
{"hour": 10, "minute": 49}
